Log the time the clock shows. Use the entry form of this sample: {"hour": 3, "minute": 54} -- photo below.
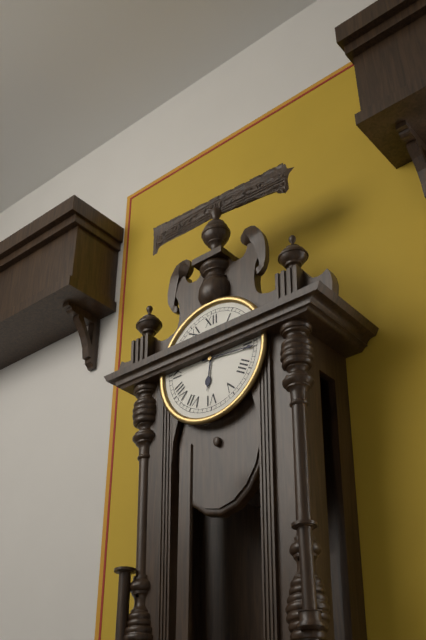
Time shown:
{"hour": 6, "minute": 16}
